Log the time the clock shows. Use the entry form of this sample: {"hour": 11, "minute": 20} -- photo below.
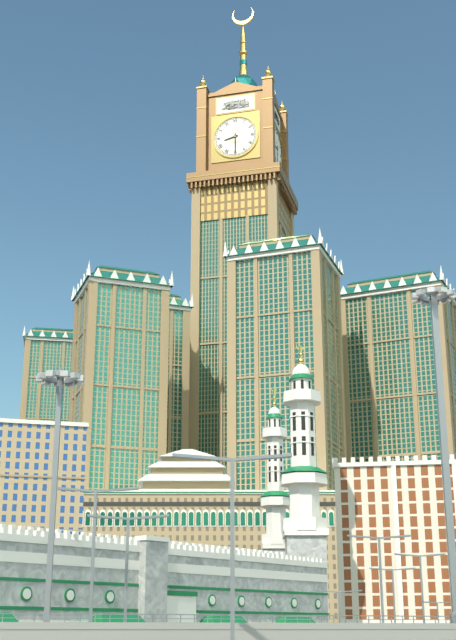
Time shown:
{"hour": 8, "minute": 30}
